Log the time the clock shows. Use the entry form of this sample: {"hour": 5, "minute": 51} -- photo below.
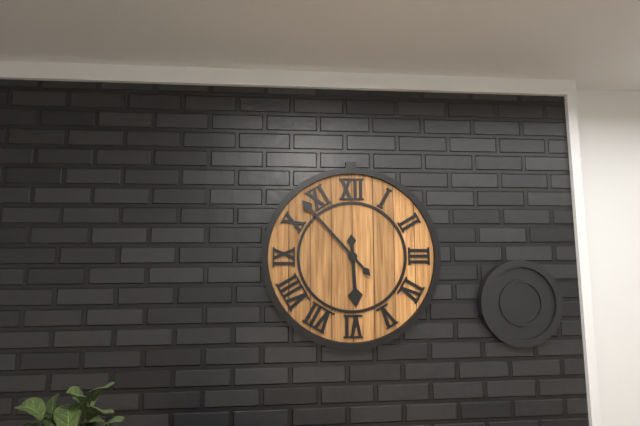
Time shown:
{"hour": 5, "minute": 53}
